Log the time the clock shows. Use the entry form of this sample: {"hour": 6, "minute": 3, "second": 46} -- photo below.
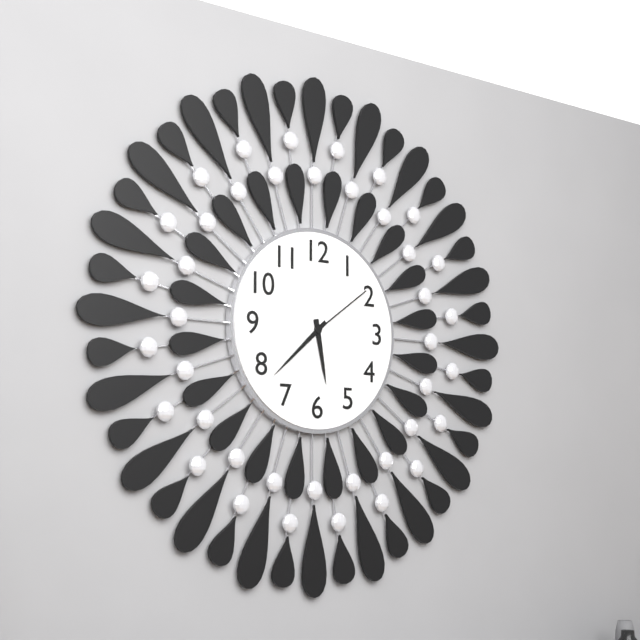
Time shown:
{"hour": 5, "minute": 38, "second": 9}
